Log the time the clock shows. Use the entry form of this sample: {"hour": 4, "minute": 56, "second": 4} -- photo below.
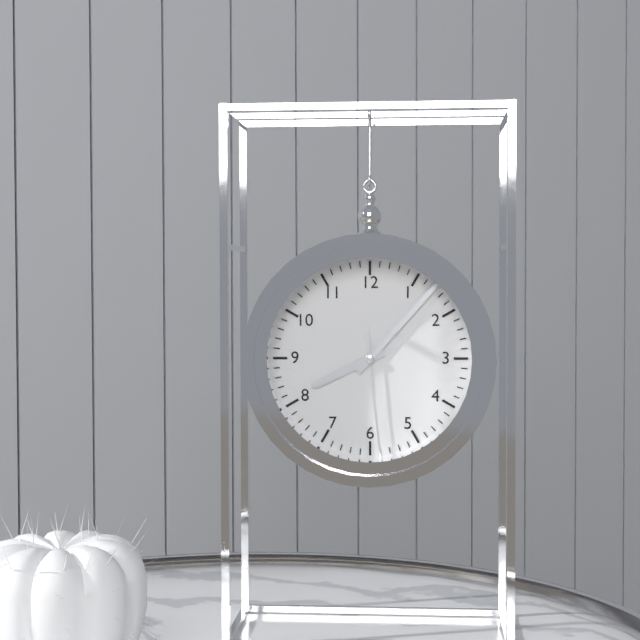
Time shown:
{"hour": 8, "minute": 7, "second": 29}
